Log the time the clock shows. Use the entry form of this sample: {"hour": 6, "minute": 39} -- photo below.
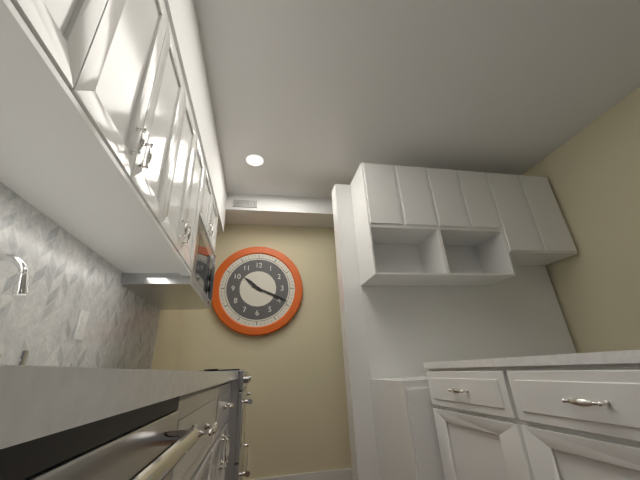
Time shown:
{"hour": 10, "minute": 19}
